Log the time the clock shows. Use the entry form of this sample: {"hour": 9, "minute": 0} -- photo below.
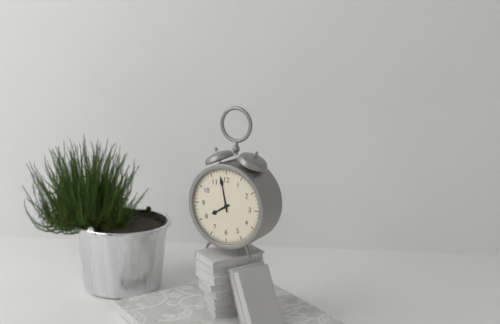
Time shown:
{"hour": 7, "minute": 58}
